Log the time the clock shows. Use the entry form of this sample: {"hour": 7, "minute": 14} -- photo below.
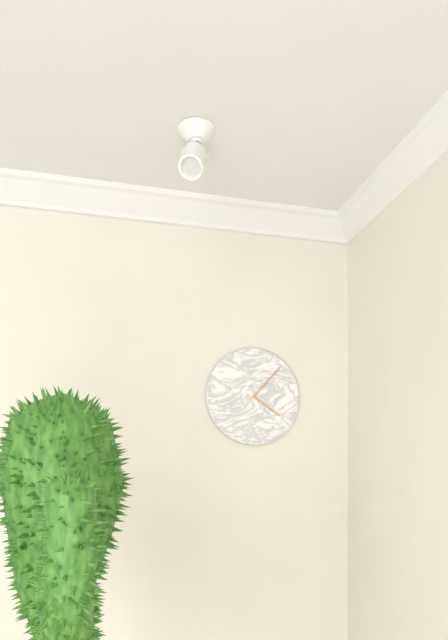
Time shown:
{"hour": 4, "minute": 7}
